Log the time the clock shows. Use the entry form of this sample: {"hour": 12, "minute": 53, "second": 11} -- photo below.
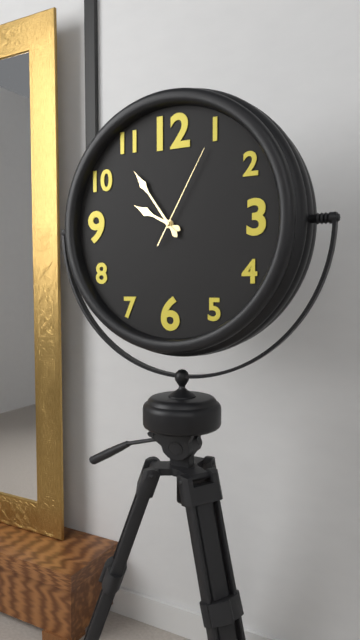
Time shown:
{"hour": 9, "minute": 54, "second": 5}
